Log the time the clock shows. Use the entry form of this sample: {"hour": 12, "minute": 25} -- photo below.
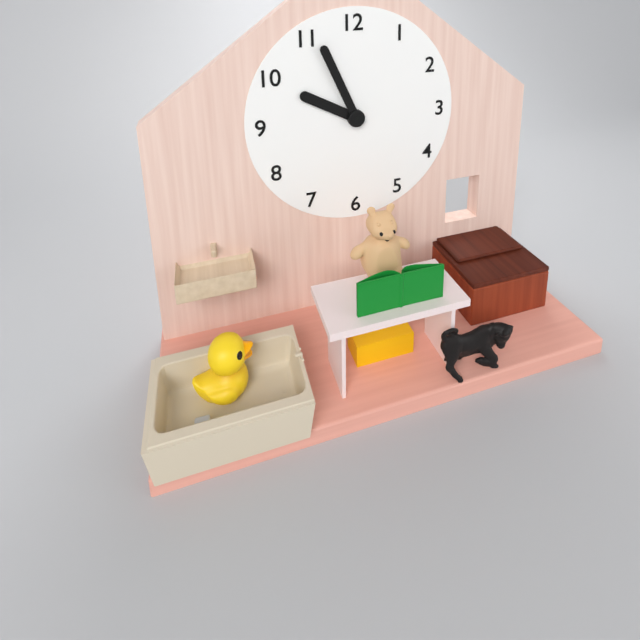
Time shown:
{"hour": 9, "minute": 56}
